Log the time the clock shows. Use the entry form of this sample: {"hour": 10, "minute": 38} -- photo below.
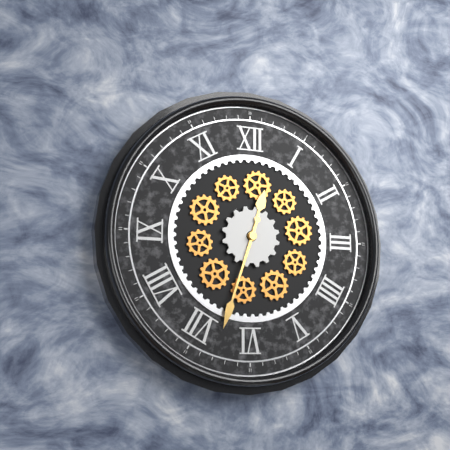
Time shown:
{"hour": 12, "minute": 33}
